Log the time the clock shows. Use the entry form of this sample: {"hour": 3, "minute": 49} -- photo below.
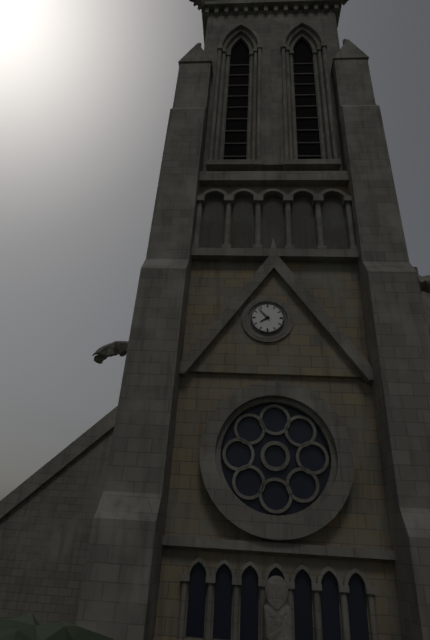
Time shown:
{"hour": 7, "minute": 53}
